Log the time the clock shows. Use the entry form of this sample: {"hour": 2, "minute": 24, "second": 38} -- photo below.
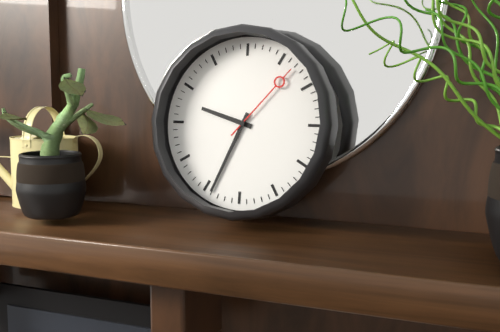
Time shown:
{"hour": 9, "minute": 34, "second": 7}
